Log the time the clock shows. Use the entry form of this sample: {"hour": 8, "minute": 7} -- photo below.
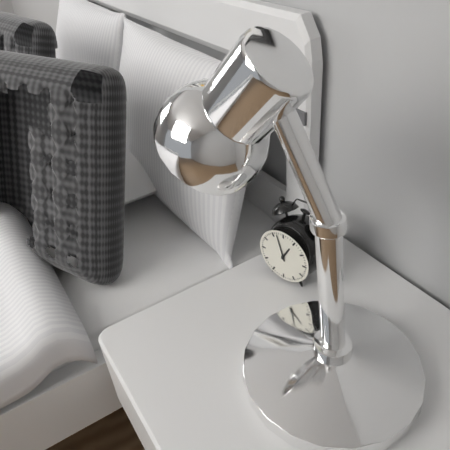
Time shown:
{"hour": 12, "minute": 57}
